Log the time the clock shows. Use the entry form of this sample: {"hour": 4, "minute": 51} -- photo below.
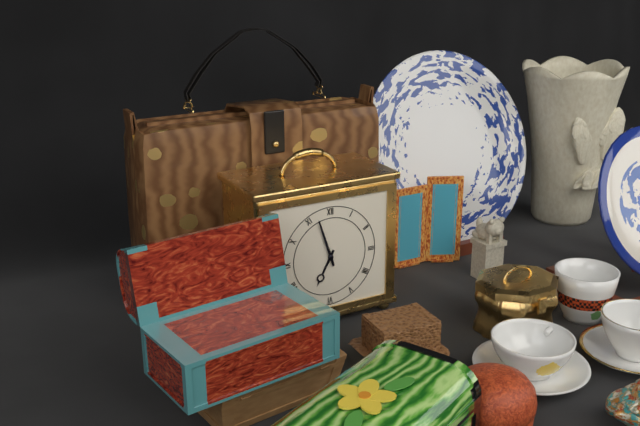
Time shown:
{"hour": 6, "minute": 57}
